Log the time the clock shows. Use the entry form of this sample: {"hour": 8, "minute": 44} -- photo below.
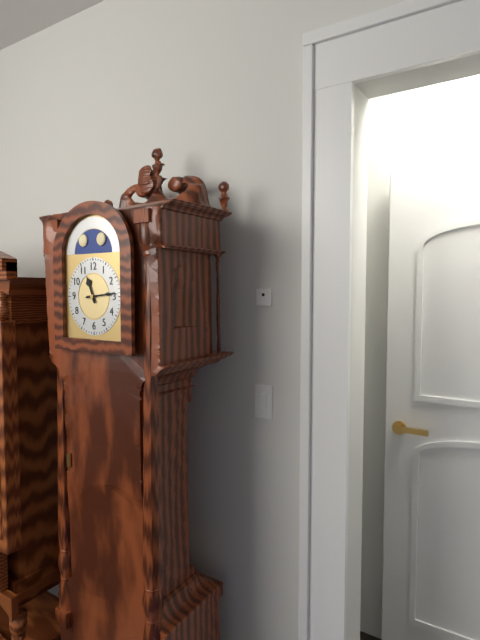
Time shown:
{"hour": 11, "minute": 14}
